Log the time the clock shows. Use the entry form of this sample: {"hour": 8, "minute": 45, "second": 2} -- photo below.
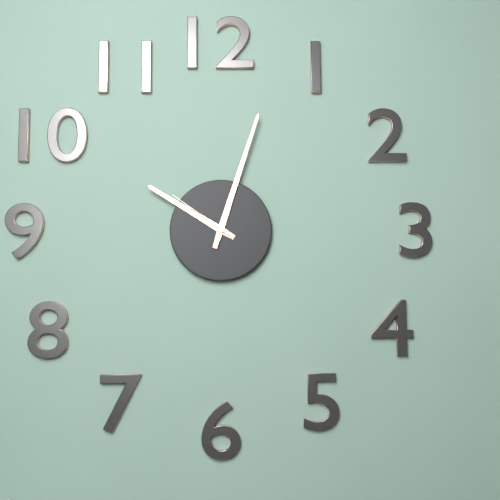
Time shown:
{"hour": 10, "minute": 3, "second": 51}
